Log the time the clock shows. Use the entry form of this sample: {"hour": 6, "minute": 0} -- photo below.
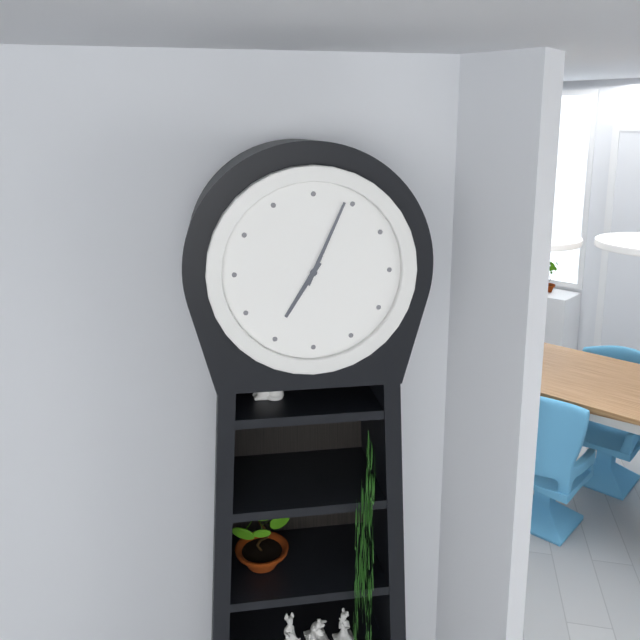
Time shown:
{"hour": 7, "minute": 4}
